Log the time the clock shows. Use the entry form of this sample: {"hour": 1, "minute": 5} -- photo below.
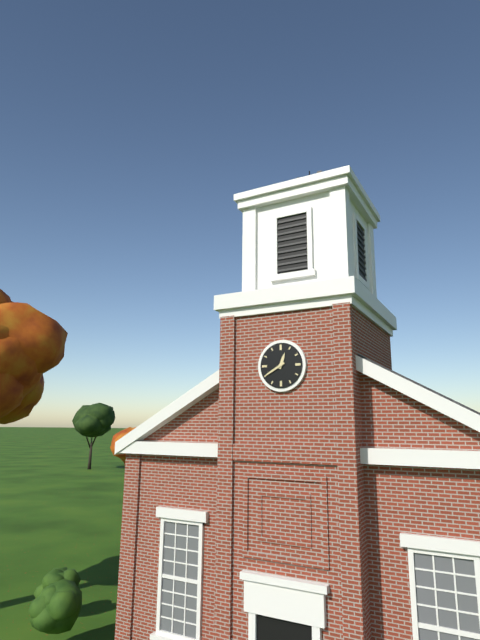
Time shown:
{"hour": 12, "minute": 40}
